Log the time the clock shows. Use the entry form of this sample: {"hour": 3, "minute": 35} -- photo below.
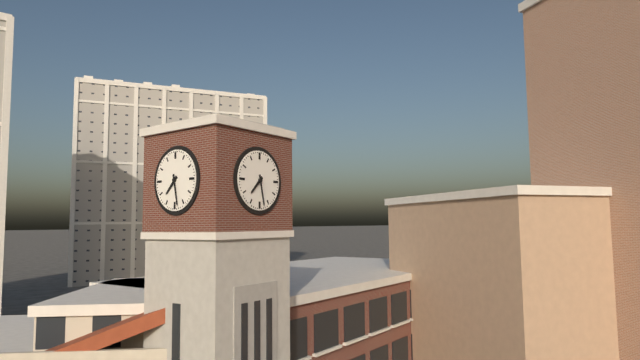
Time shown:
{"hour": 7, "minute": 28}
